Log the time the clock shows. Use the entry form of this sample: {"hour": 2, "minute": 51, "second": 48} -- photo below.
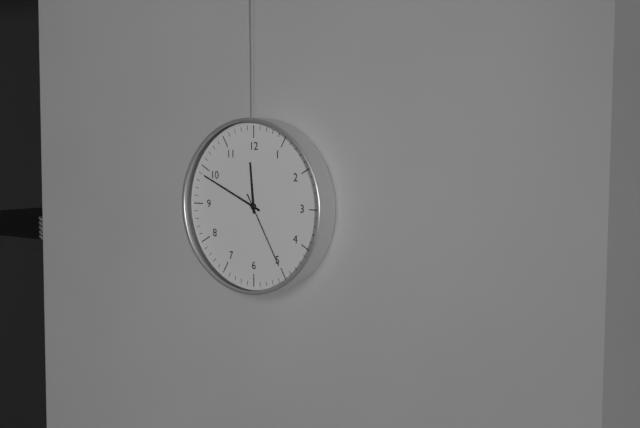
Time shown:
{"hour": 11, "minute": 49, "second": 25}
